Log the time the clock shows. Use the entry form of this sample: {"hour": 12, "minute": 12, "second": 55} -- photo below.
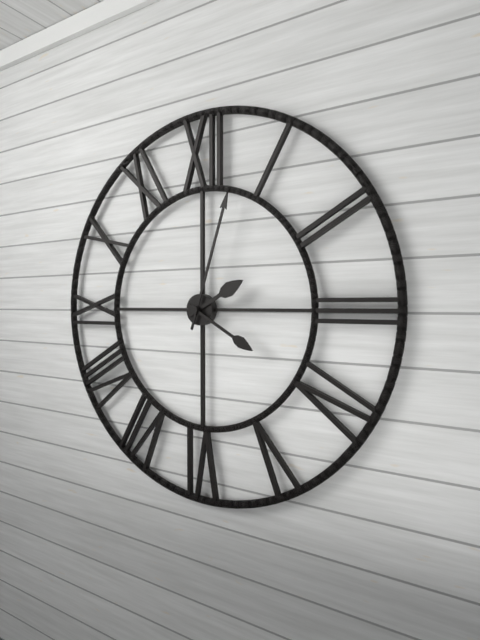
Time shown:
{"hour": 2, "minute": 3, "second": 20}
